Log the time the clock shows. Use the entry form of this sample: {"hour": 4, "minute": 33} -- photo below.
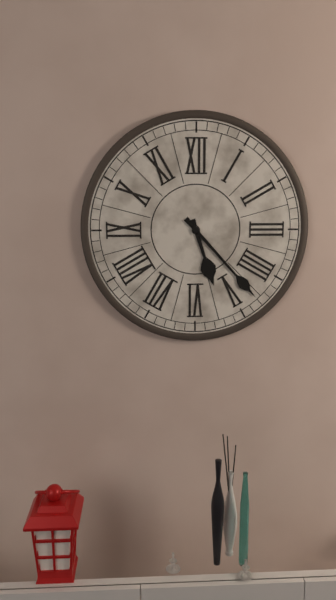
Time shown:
{"hour": 5, "minute": 23}
